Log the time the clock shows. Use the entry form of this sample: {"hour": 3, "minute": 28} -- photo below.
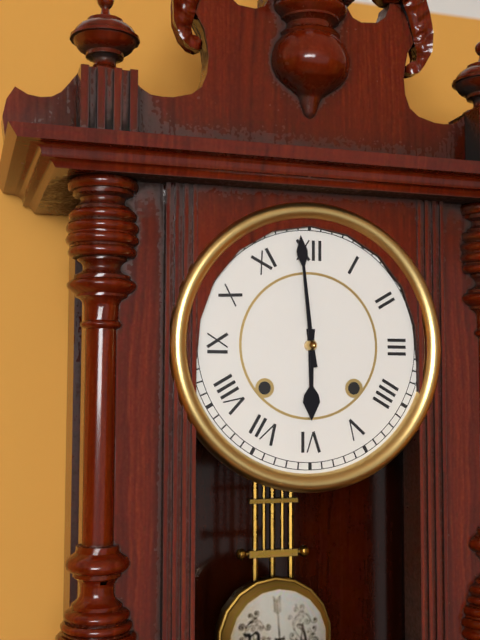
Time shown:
{"hour": 5, "minute": 59}
